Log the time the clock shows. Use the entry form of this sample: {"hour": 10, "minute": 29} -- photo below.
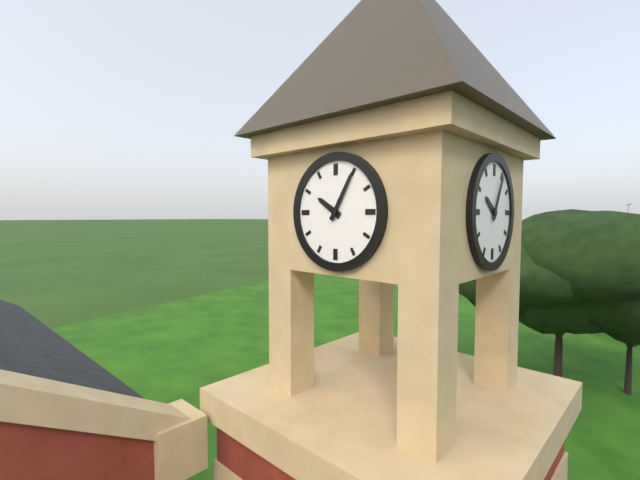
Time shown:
{"hour": 10, "minute": 5}
